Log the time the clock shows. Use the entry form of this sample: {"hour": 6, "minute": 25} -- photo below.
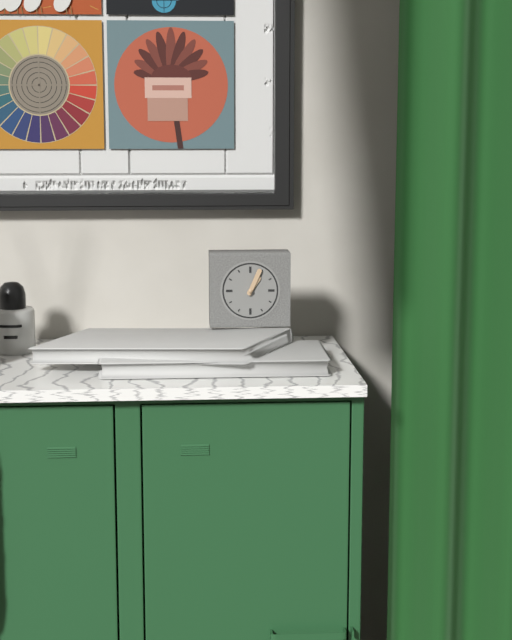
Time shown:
{"hour": 1, "minute": 4}
